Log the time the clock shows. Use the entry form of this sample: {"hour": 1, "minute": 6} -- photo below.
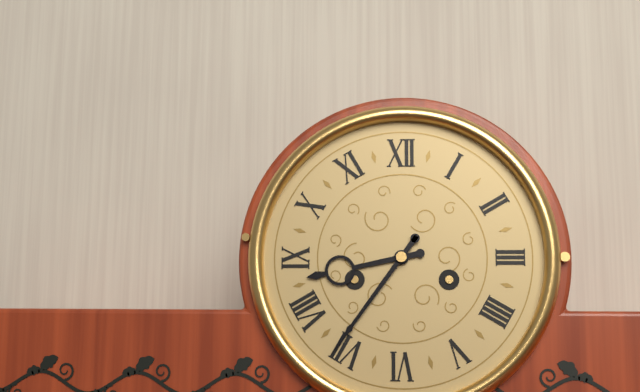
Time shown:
{"hour": 8, "minute": 36}
